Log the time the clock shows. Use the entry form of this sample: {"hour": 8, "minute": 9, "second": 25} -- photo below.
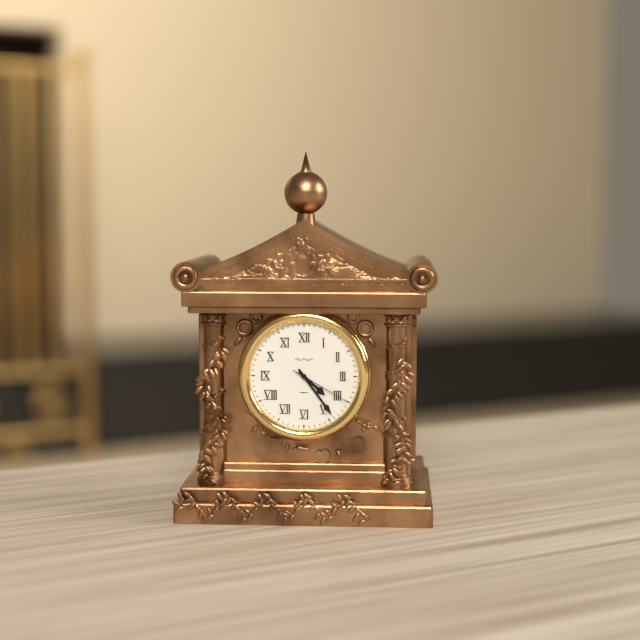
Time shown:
{"hour": 4, "minute": 24, "second": 20}
